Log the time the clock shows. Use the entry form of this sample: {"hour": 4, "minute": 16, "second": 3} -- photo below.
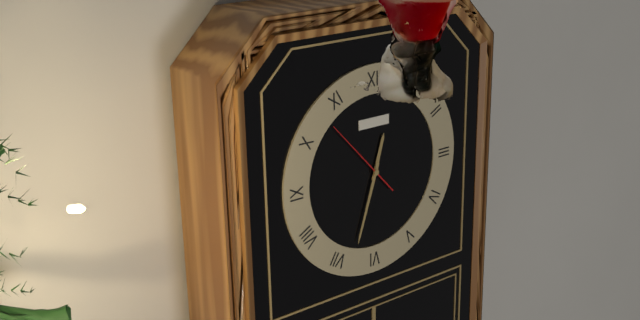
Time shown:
{"hour": 12, "minute": 33, "second": 53}
